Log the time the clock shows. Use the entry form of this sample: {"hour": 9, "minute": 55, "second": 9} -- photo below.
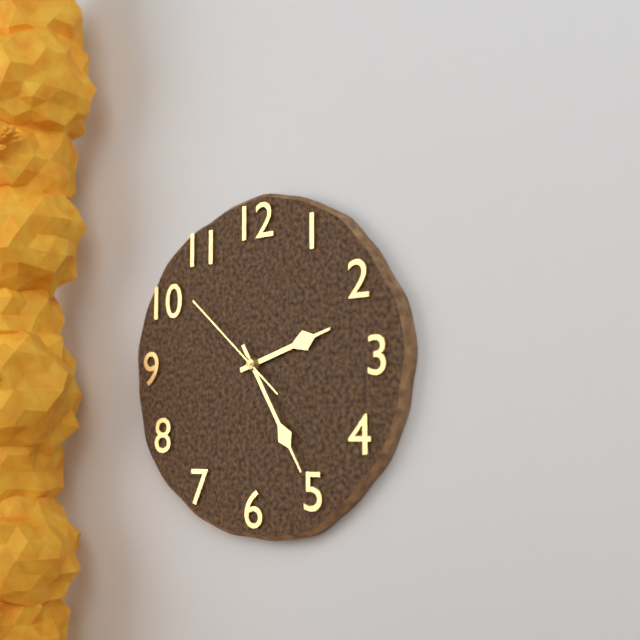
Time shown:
{"hour": 2, "minute": 25, "second": 52}
